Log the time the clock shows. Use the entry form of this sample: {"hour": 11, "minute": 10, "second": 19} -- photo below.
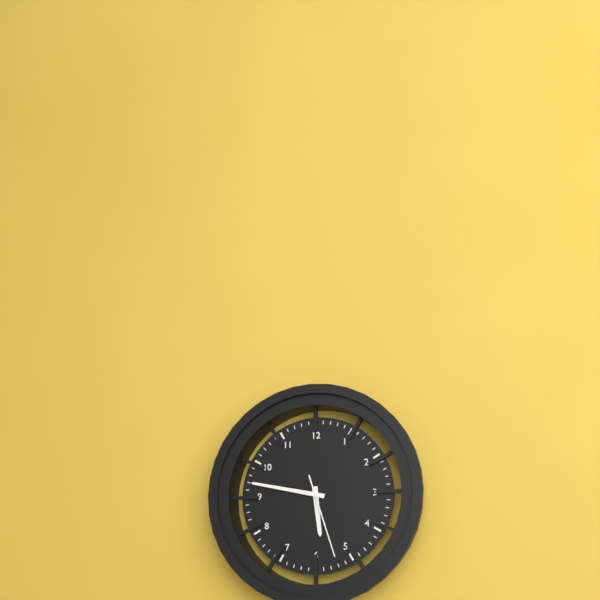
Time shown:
{"hour": 5, "minute": 47, "second": 27}
